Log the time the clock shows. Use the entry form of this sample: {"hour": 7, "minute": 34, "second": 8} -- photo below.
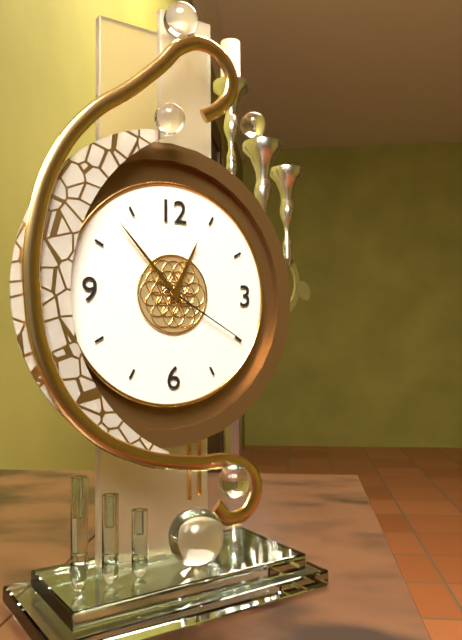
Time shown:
{"hour": 12, "minute": 53, "second": 20}
